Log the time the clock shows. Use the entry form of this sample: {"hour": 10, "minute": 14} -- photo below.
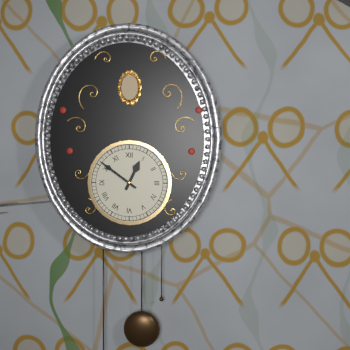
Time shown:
{"hour": 12, "minute": 51}
